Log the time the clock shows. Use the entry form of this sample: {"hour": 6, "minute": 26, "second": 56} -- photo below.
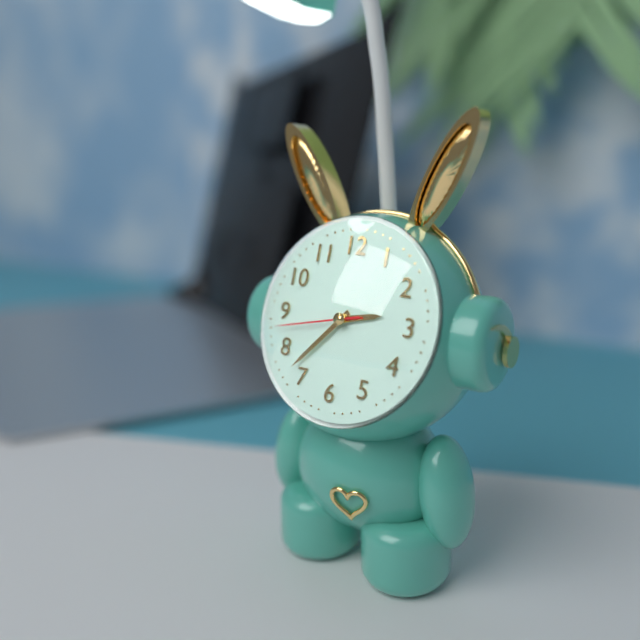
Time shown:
{"hour": 2, "minute": 37, "second": 43}
